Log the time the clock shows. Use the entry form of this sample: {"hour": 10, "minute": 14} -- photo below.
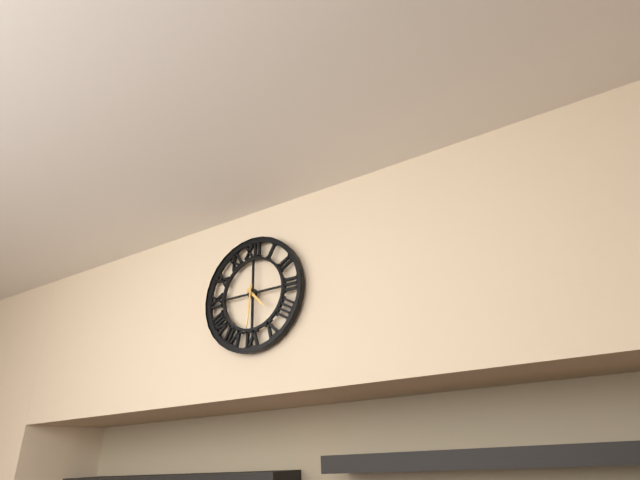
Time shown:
{"hour": 4, "minute": 31}
